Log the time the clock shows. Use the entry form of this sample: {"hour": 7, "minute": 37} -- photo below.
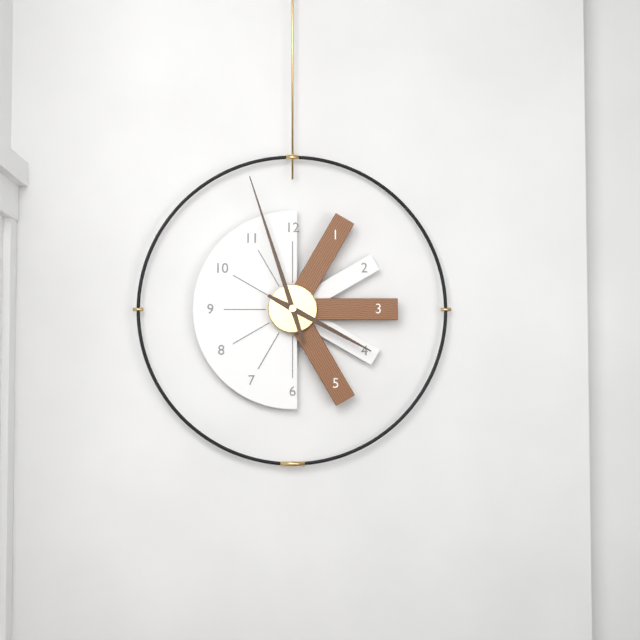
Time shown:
{"hour": 3, "minute": 57}
